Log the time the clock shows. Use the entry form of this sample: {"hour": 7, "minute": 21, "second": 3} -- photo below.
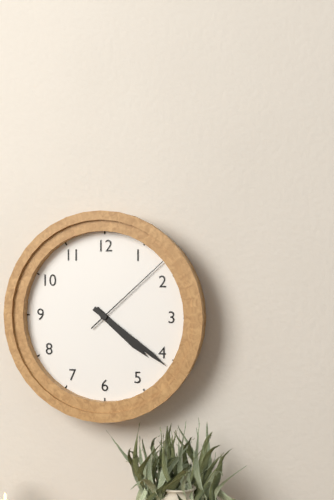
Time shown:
{"hour": 4, "minute": 21, "second": 8}
